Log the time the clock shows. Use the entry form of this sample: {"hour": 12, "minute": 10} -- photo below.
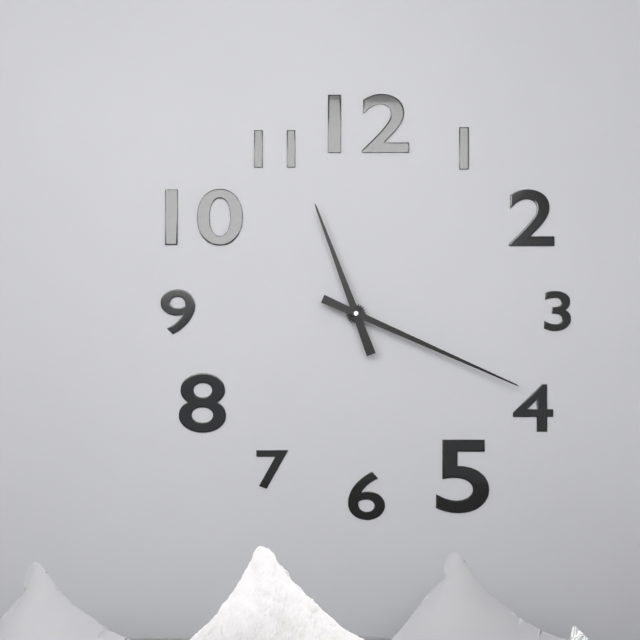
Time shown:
{"hour": 11, "minute": 19}
